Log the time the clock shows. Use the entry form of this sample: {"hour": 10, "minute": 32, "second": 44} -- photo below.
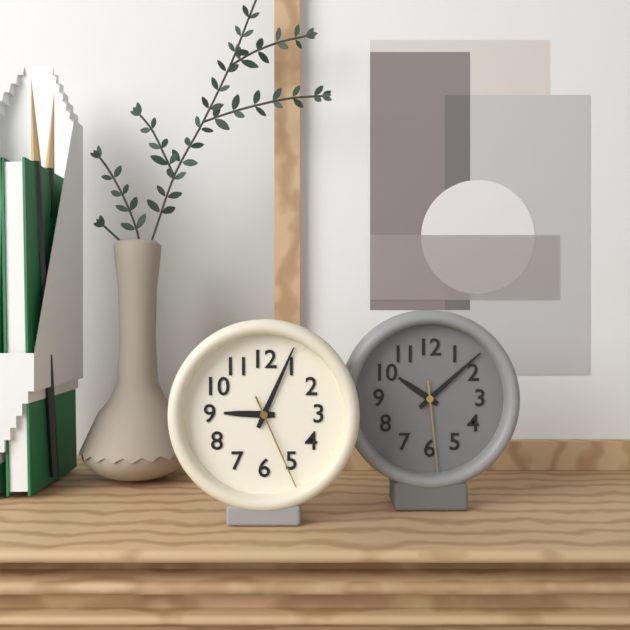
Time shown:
{"hour": 9, "minute": 4, "second": 26}
